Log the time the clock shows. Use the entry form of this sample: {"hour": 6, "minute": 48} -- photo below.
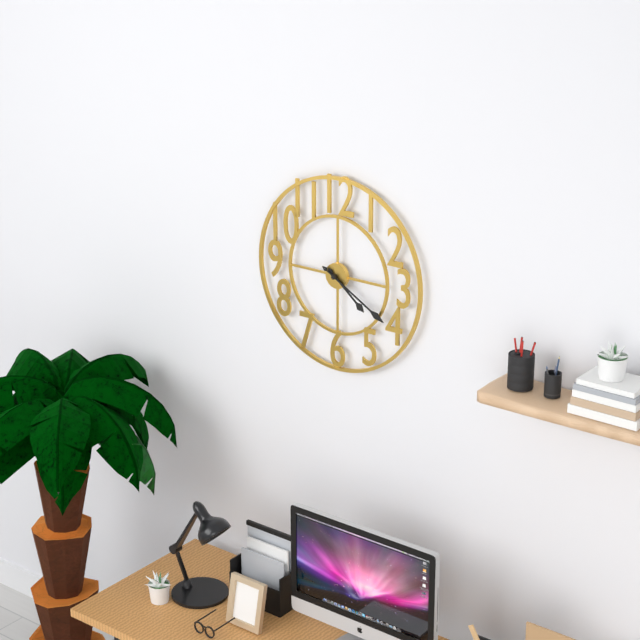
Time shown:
{"hour": 4, "minute": 20}
